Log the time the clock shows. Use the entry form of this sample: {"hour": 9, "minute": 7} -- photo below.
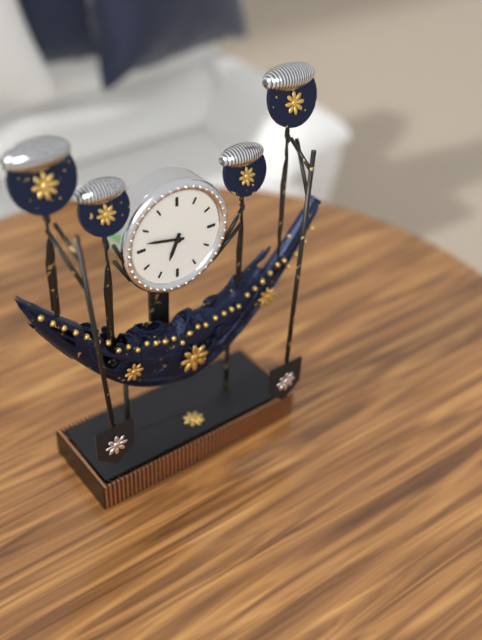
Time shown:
{"hour": 6, "minute": 47}
